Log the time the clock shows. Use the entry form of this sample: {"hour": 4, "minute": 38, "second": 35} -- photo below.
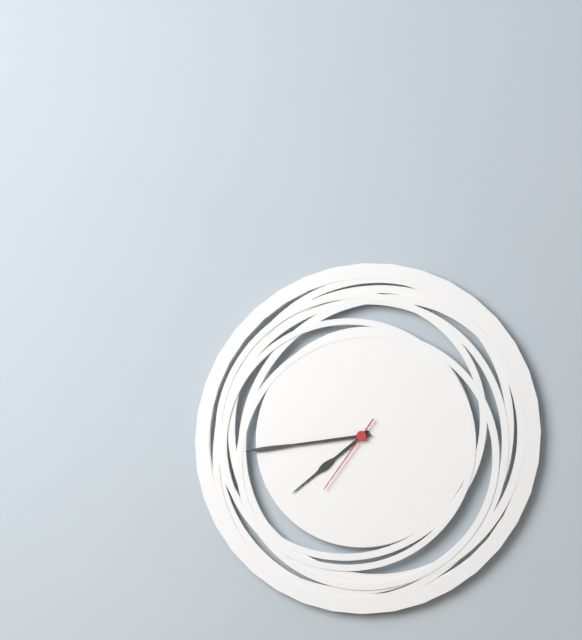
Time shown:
{"hour": 7, "minute": 44, "second": 36}
